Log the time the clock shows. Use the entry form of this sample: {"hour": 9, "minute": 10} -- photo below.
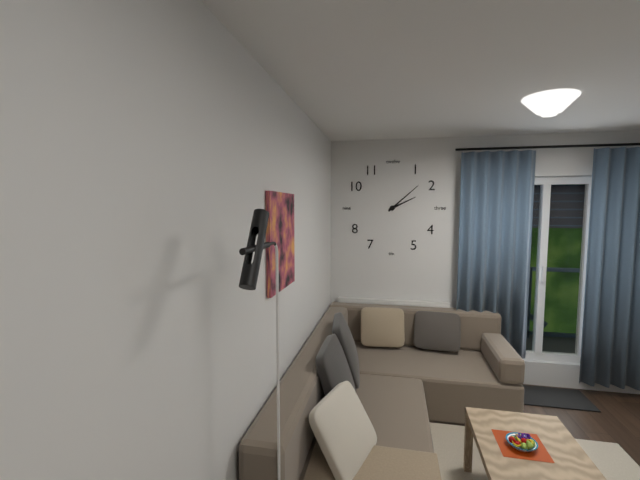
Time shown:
{"hour": 2, "minute": 8}
